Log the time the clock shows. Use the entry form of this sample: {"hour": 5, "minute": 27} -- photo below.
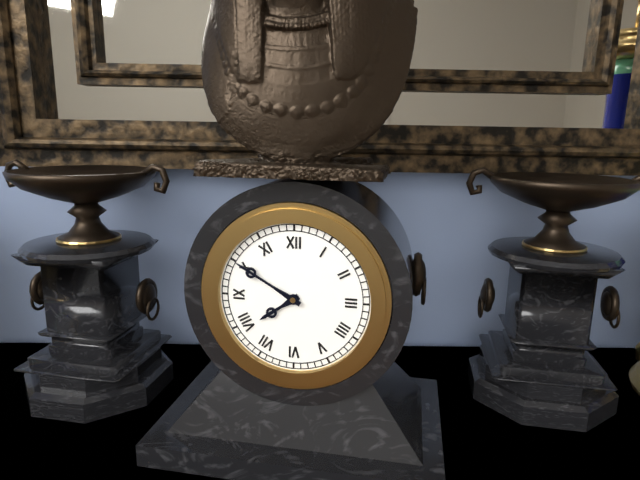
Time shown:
{"hour": 7, "minute": 50}
